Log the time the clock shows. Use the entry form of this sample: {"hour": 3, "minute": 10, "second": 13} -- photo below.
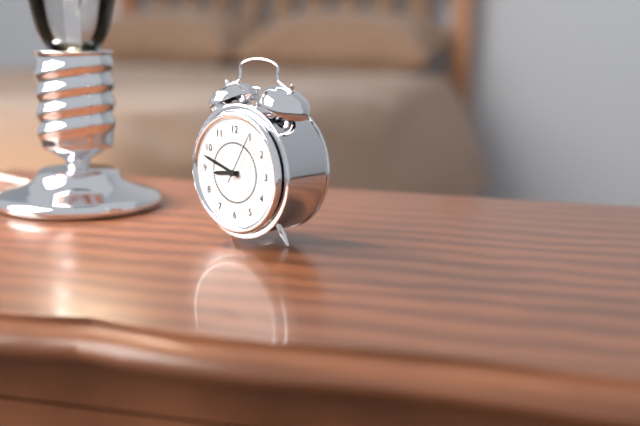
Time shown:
{"hour": 8, "minute": 48, "second": 5}
